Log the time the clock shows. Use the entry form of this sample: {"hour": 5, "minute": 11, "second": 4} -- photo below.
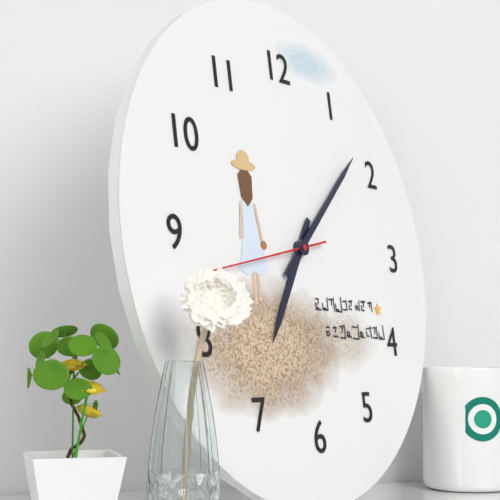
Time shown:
{"hour": 7, "minute": 8, "second": 43}
